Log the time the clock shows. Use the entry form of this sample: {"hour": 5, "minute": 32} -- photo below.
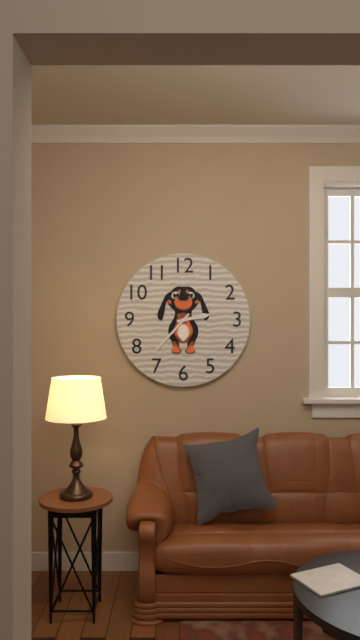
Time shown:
{"hour": 2, "minute": 37}
